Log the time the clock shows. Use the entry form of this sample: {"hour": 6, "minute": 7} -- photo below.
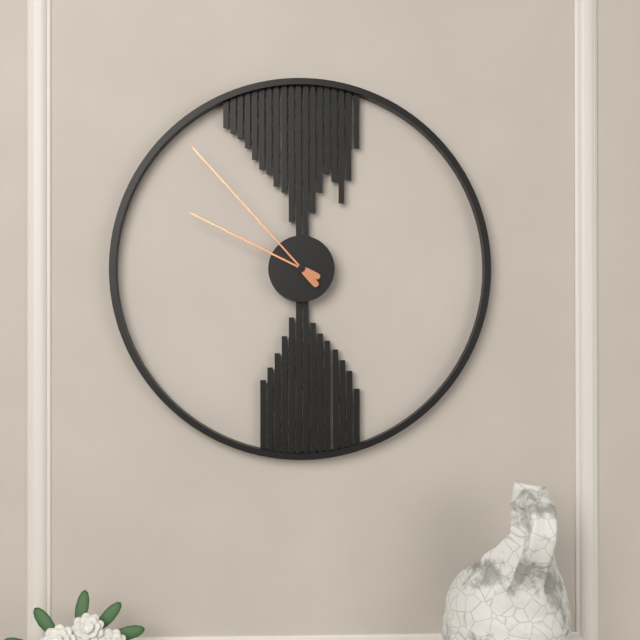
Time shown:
{"hour": 9, "minute": 53}
